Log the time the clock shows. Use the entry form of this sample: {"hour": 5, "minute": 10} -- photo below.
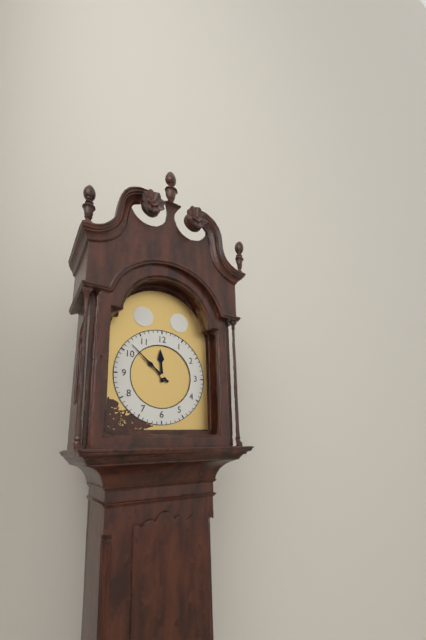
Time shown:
{"hour": 11, "minute": 52}
